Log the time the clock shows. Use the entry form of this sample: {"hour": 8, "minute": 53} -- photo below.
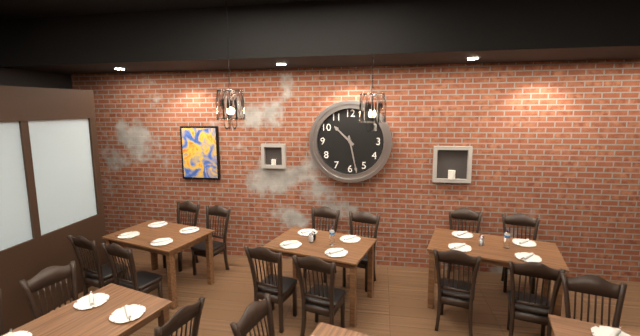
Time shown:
{"hour": 10, "minute": 28}
